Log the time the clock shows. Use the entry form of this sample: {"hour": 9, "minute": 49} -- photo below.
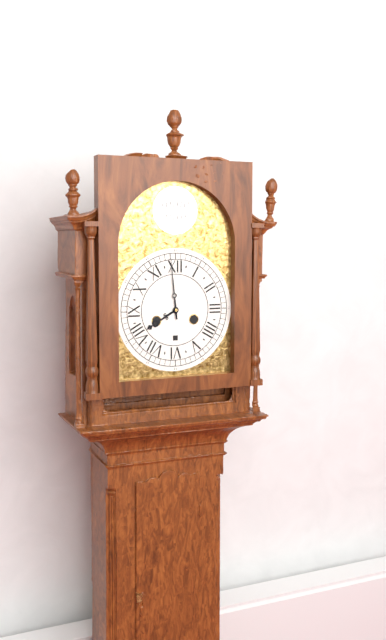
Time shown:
{"hour": 7, "minute": 59}
